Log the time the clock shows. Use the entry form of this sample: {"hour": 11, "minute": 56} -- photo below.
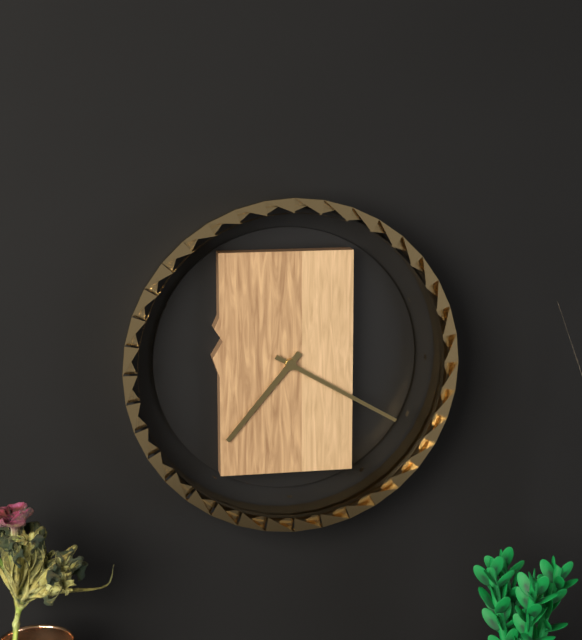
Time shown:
{"hour": 7, "minute": 20}
